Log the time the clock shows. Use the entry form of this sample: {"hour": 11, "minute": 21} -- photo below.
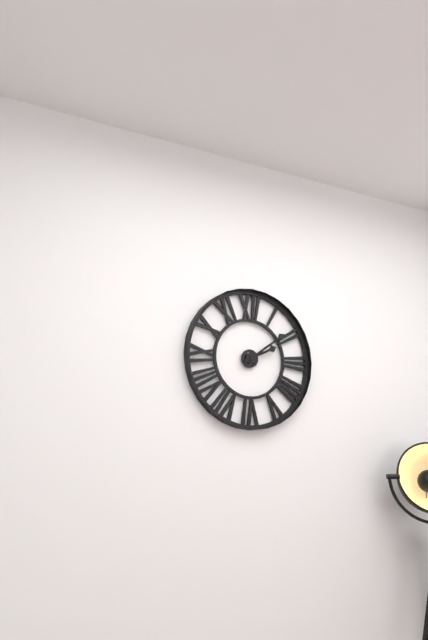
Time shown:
{"hour": 2, "minute": 9}
